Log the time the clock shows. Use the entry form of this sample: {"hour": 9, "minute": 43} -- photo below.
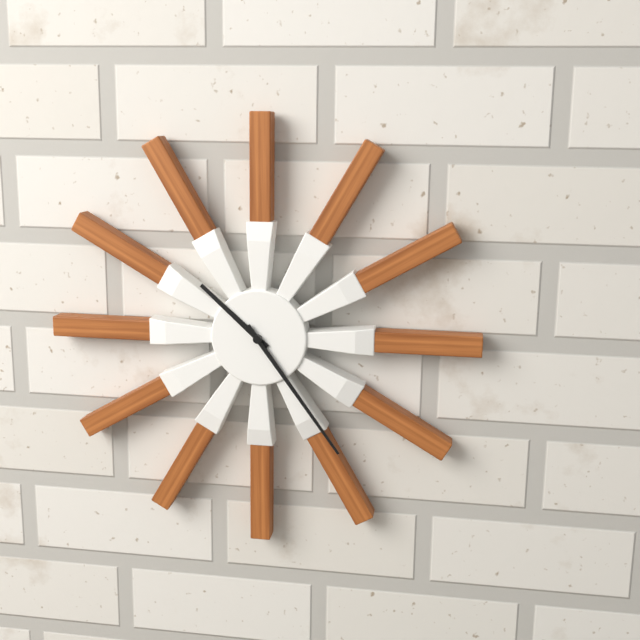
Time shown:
{"hour": 10, "minute": 24}
